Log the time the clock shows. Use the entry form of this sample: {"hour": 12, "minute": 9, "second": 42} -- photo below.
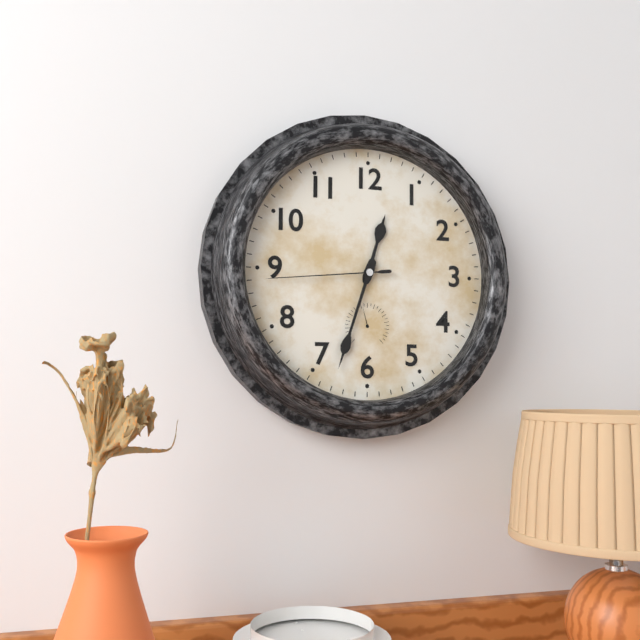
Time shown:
{"hour": 12, "minute": 33, "second": 44}
